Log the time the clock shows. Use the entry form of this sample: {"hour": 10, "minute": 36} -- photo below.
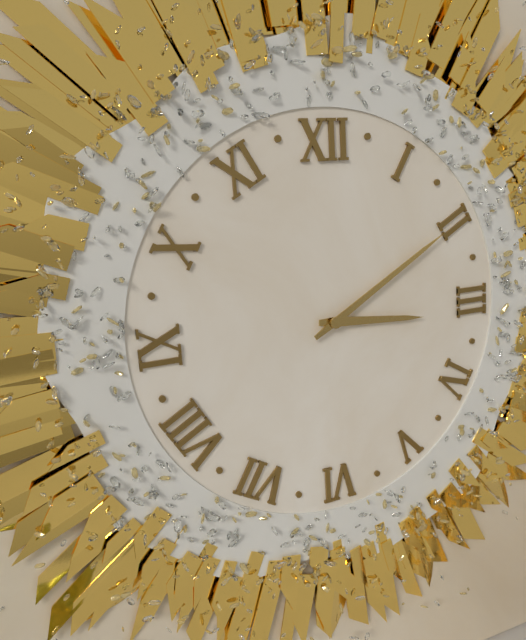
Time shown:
{"hour": 3, "minute": 10}
